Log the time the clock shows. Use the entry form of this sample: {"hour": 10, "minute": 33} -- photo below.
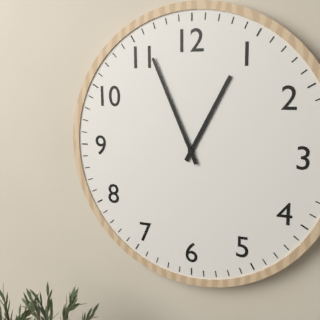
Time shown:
{"hour": 12, "minute": 56}
